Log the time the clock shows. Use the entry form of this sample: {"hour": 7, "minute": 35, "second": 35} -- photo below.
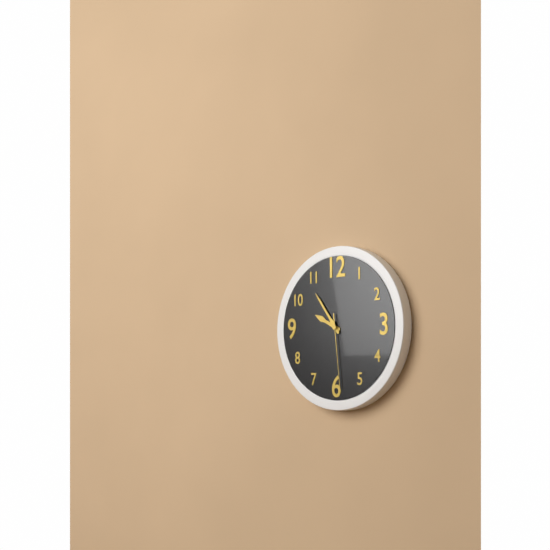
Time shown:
{"hour": 9, "minute": 54, "second": 29}
